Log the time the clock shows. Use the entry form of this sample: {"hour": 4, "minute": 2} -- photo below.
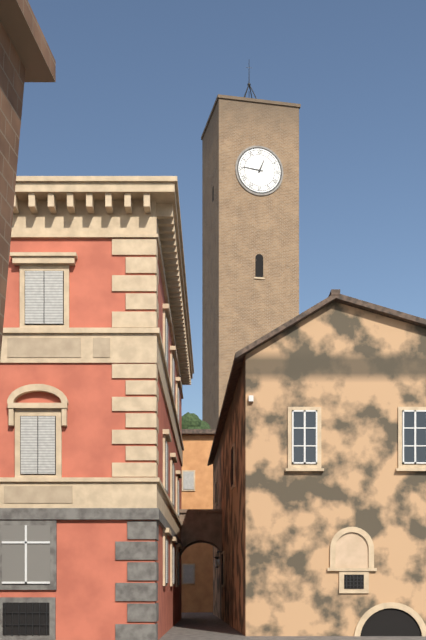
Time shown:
{"hour": 12, "minute": 46}
